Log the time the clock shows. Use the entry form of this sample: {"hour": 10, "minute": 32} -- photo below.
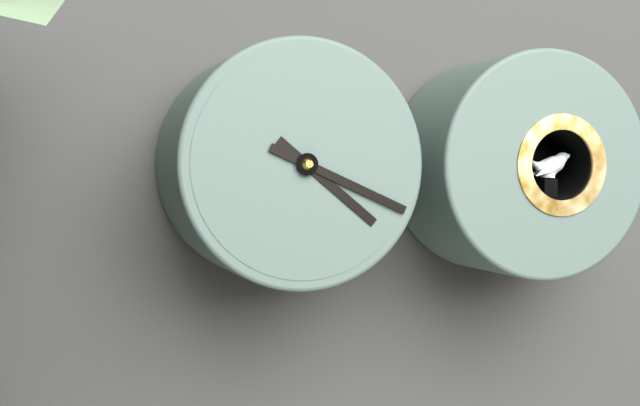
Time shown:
{"hour": 4, "minute": 19}
